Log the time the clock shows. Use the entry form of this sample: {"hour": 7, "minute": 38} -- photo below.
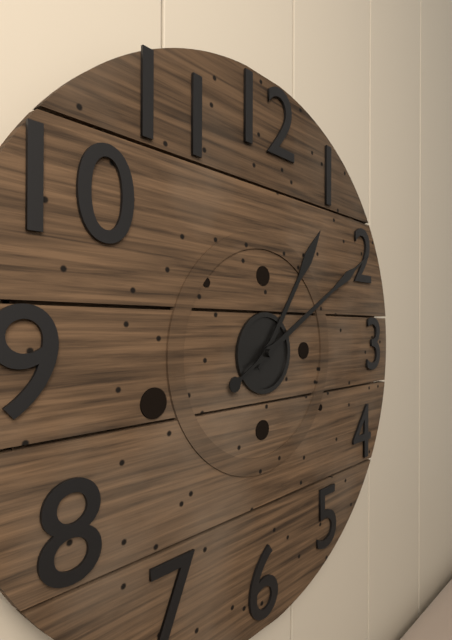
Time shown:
{"hour": 1, "minute": 10}
